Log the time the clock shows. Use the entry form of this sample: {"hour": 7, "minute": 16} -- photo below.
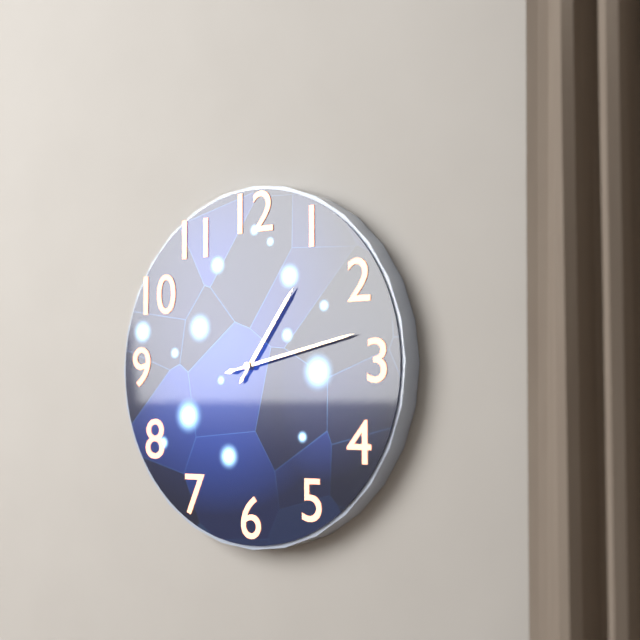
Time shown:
{"hour": 1, "minute": 13}
